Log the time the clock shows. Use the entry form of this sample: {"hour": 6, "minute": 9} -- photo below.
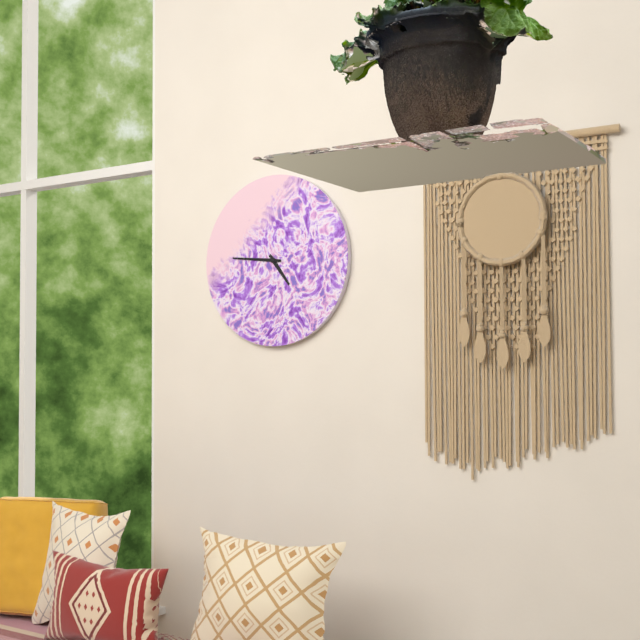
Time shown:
{"hour": 4, "minute": 46}
